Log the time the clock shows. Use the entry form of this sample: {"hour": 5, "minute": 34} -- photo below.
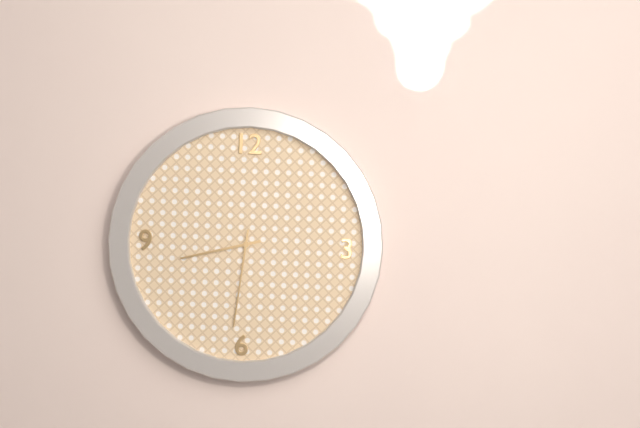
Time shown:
{"hour": 8, "minute": 31}
